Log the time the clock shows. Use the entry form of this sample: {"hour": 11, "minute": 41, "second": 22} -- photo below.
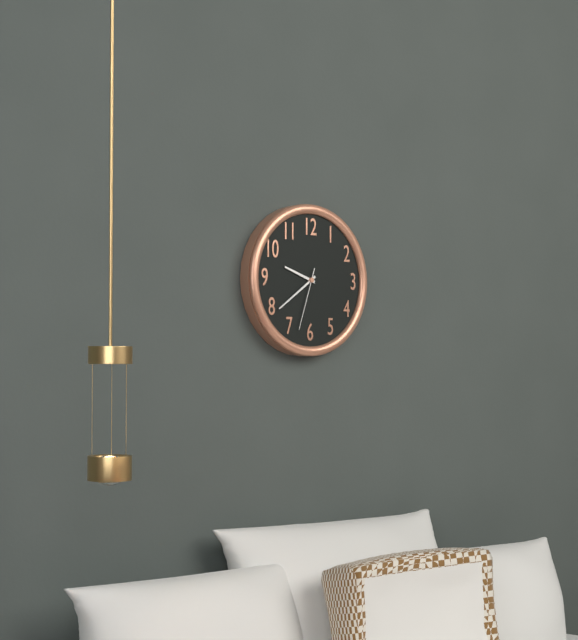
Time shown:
{"hour": 9, "minute": 39, "second": 33}
